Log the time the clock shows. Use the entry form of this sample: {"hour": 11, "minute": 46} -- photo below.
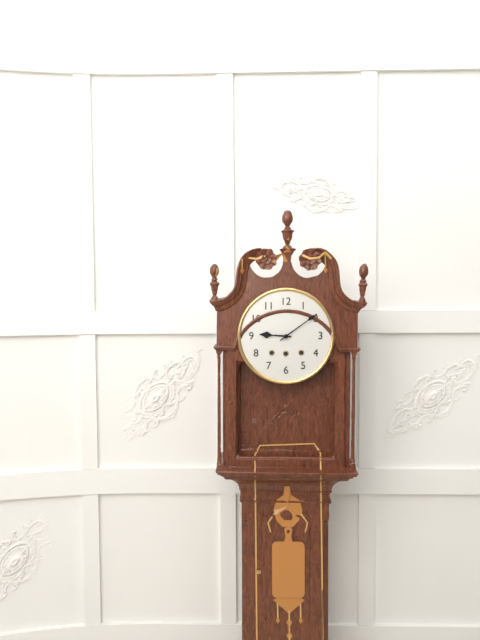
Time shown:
{"hour": 9, "minute": 9}
